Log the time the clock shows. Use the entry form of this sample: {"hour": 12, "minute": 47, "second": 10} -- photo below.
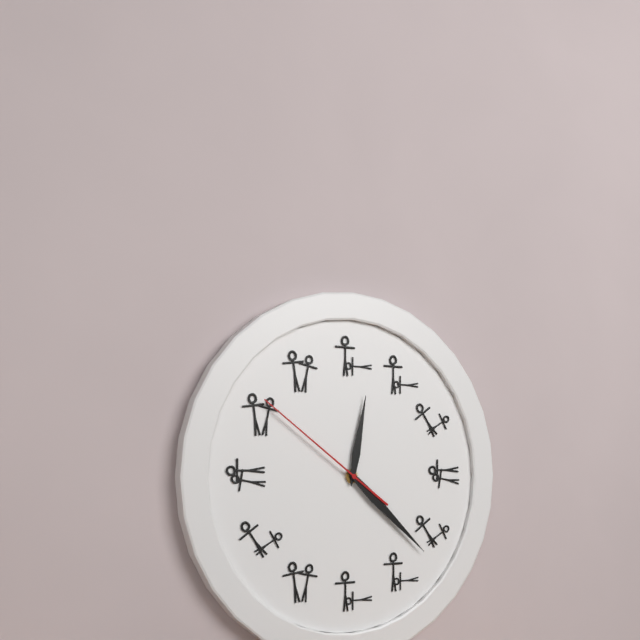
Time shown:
{"hour": 12, "minute": 22, "second": 51}
